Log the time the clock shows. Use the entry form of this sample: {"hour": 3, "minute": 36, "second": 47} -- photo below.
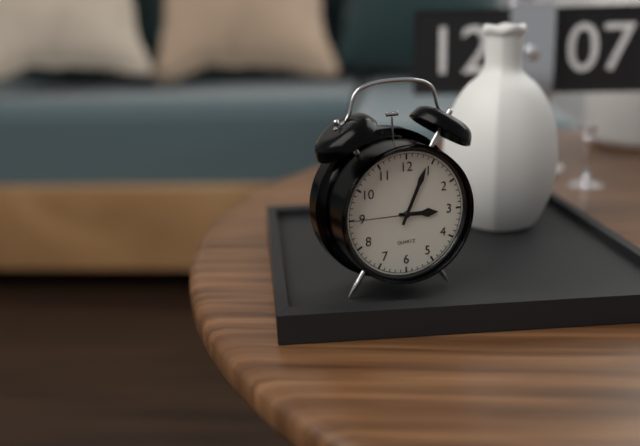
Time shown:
{"hour": 3, "minute": 4, "second": 45}
